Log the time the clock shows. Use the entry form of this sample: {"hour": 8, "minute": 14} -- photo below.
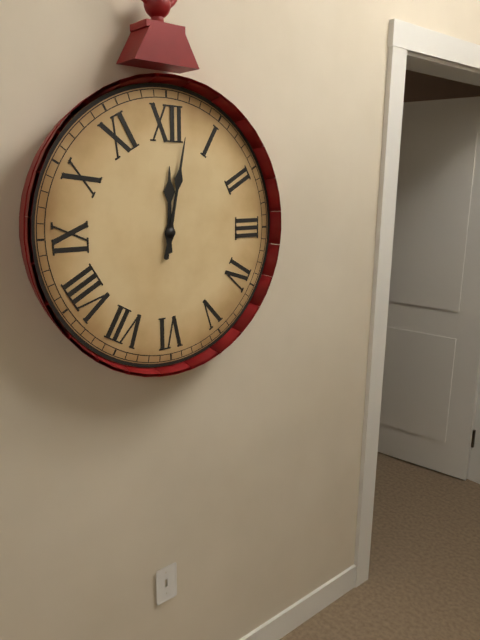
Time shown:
{"hour": 12, "minute": 2}
